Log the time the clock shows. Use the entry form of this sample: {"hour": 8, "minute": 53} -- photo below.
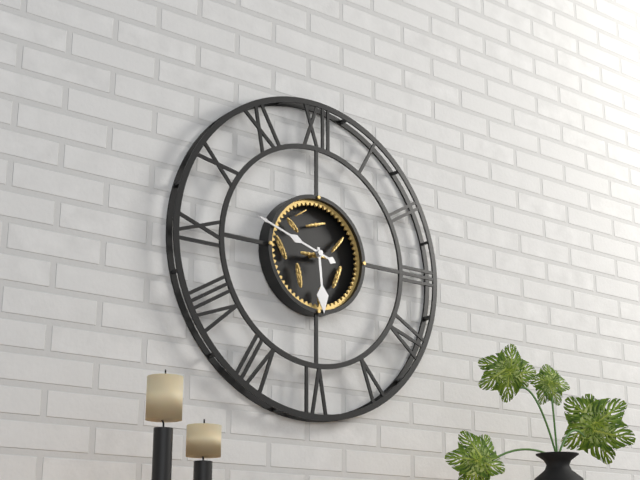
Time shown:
{"hour": 5, "minute": 48}
